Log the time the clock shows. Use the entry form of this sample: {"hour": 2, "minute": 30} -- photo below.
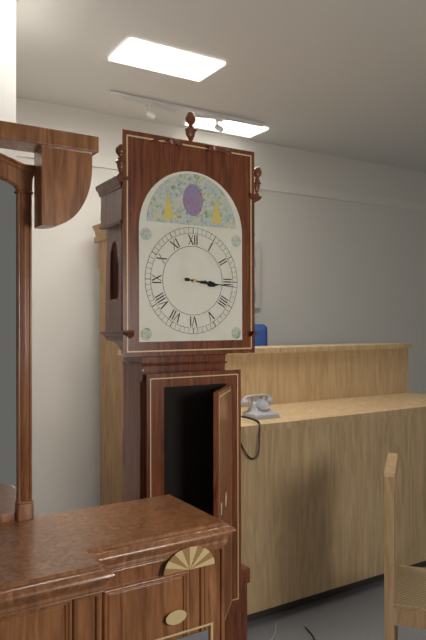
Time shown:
{"hour": 3, "minute": 16}
